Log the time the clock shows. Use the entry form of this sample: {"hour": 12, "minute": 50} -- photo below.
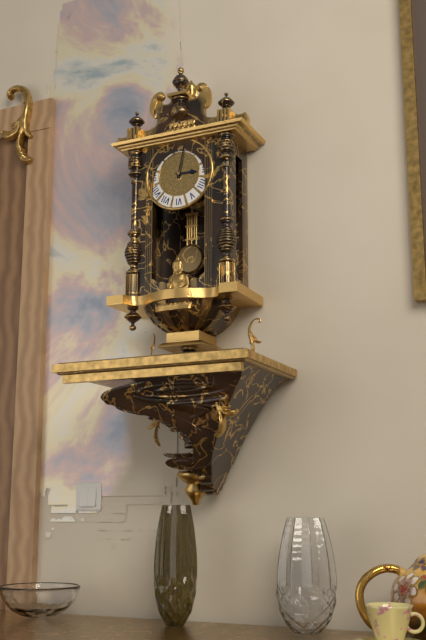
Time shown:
{"hour": 3, "minute": 2}
